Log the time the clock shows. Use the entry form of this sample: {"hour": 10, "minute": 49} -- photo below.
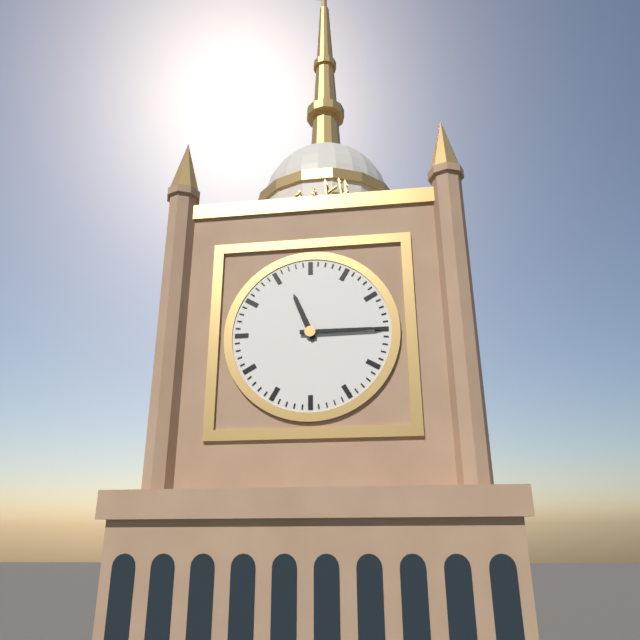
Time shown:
{"hour": 11, "minute": 15}
